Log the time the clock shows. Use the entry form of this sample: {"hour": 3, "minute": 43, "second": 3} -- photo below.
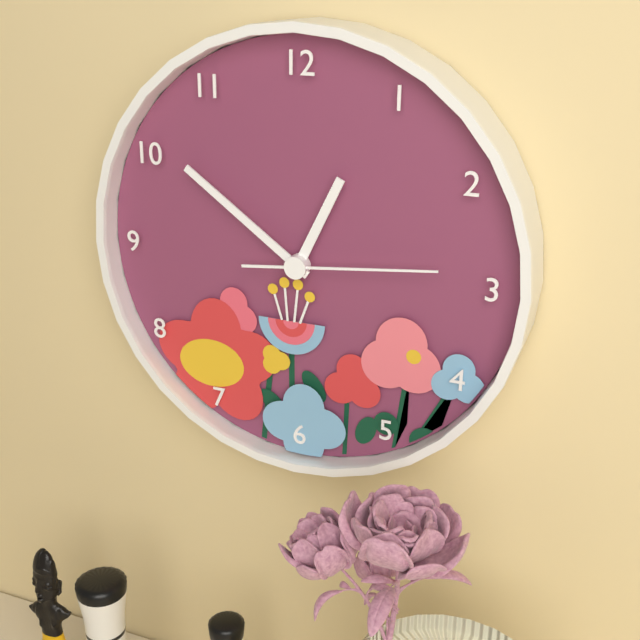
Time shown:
{"hour": 12, "minute": 51, "second": 14}
